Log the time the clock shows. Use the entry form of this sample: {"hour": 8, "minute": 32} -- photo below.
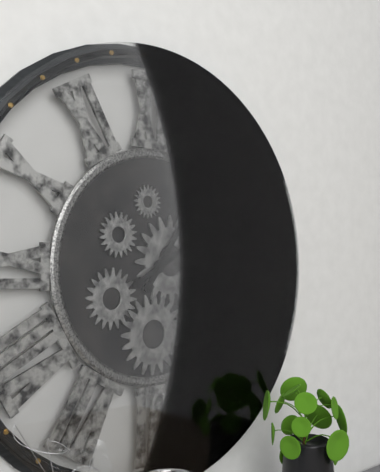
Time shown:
{"hour": 1, "minute": 10}
